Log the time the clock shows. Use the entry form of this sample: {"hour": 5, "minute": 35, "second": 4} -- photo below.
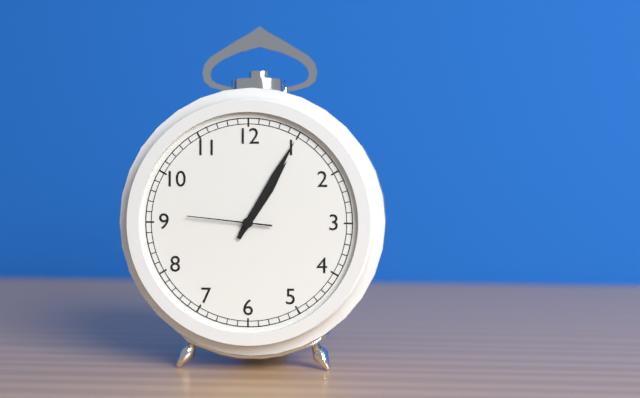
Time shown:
{"hour": 1, "minute": 5, "second": 46}
